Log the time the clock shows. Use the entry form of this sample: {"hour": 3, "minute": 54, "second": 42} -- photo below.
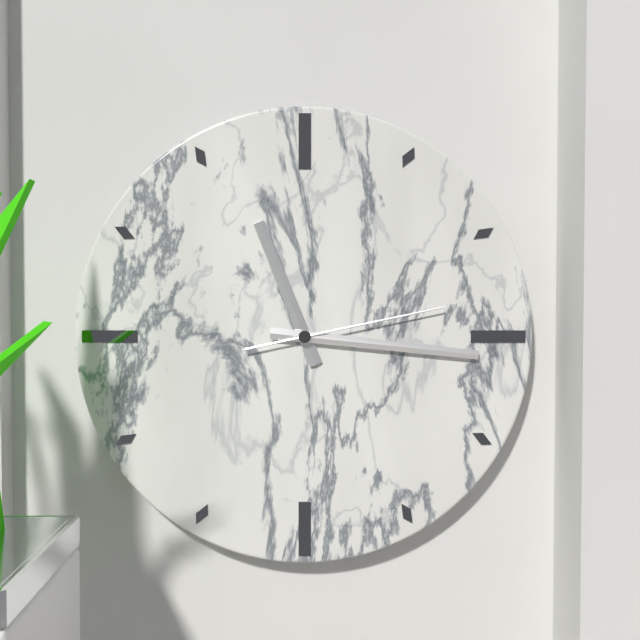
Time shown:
{"hour": 11, "minute": 16, "second": 13}
